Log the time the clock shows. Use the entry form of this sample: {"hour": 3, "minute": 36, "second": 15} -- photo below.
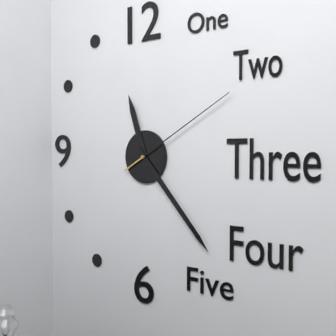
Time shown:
{"hour": 11, "minute": 23, "second": 10}
